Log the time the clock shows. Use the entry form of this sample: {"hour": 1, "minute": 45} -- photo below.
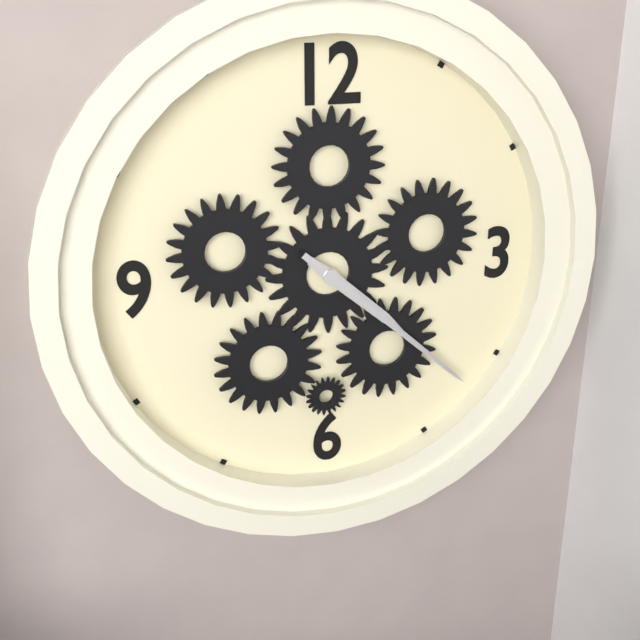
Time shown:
{"hour": 4, "minute": 22}
